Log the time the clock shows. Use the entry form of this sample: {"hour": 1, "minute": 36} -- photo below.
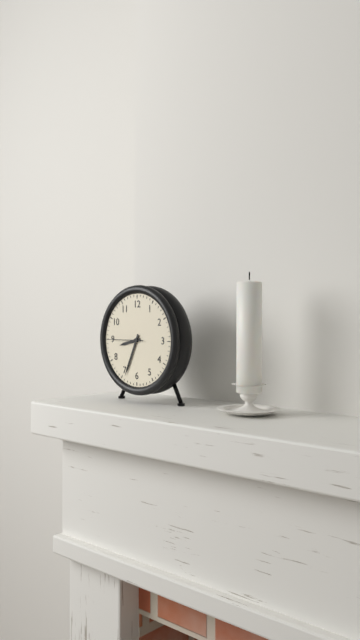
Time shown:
{"hour": 8, "minute": 34}
